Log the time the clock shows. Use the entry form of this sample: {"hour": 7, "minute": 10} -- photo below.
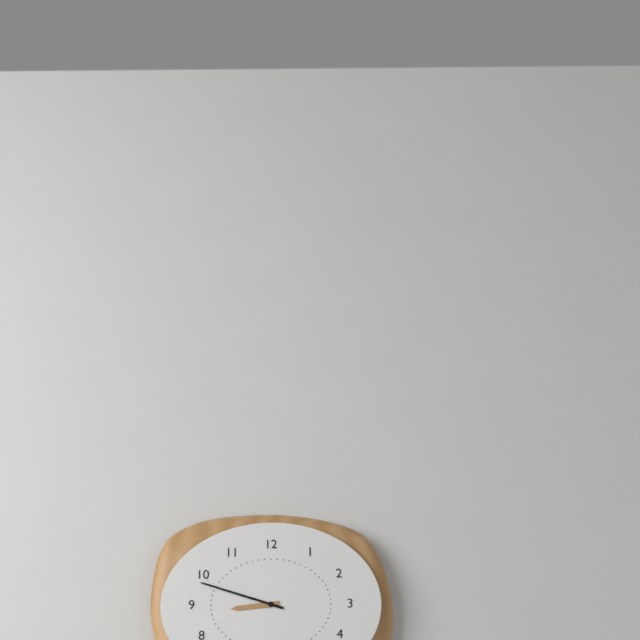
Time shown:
{"hour": 8, "minute": 48}
